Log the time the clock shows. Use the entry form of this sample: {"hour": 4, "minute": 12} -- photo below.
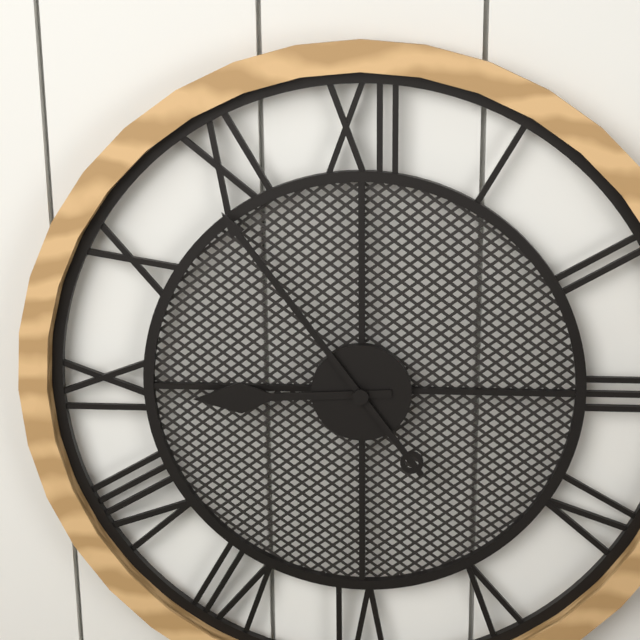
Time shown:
{"hour": 8, "minute": 54}
